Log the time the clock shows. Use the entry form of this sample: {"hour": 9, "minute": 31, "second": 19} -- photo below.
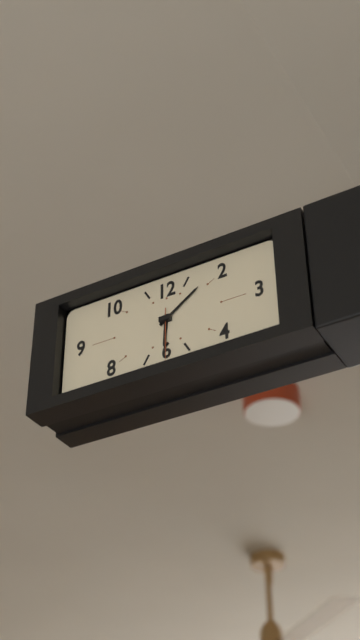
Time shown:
{"hour": 6, "minute": 9, "second": 30}
